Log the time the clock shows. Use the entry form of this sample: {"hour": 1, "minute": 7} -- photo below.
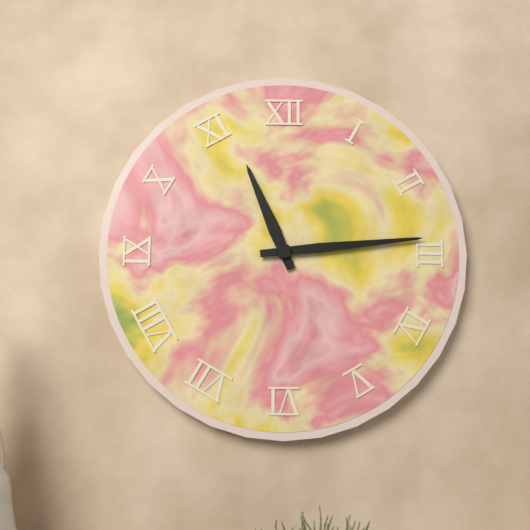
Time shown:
{"hour": 11, "minute": 14}
